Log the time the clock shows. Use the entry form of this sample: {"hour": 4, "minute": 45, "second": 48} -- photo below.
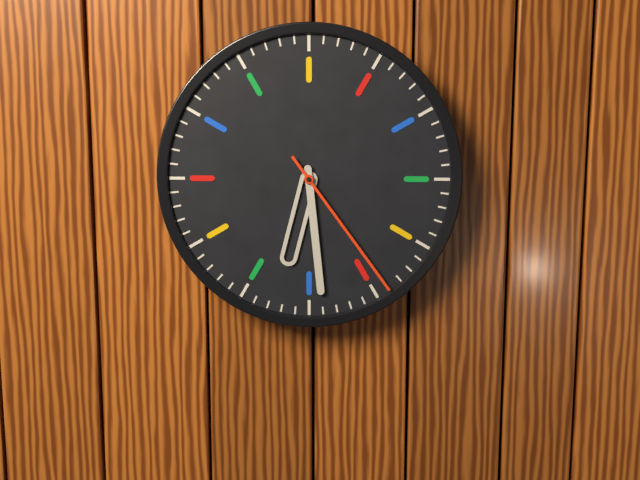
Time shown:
{"hour": 6, "minute": 29, "second": 24}
